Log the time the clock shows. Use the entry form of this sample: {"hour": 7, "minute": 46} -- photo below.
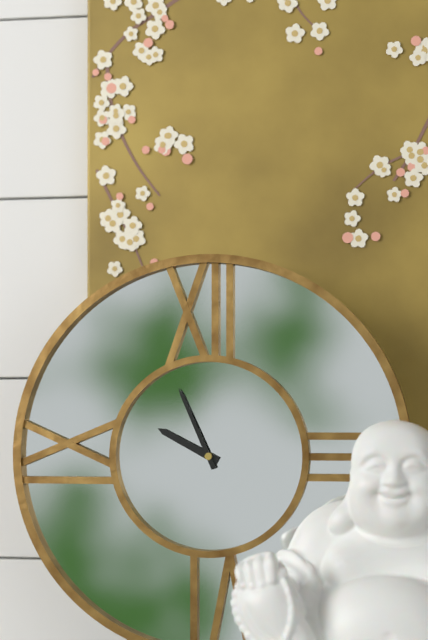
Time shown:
{"hour": 9, "minute": 56}
